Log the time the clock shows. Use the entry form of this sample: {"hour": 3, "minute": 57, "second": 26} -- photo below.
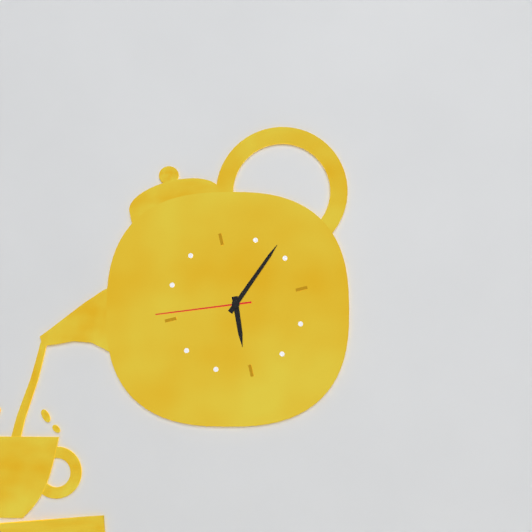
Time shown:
{"hour": 6, "minute": 8, "second": 46}
